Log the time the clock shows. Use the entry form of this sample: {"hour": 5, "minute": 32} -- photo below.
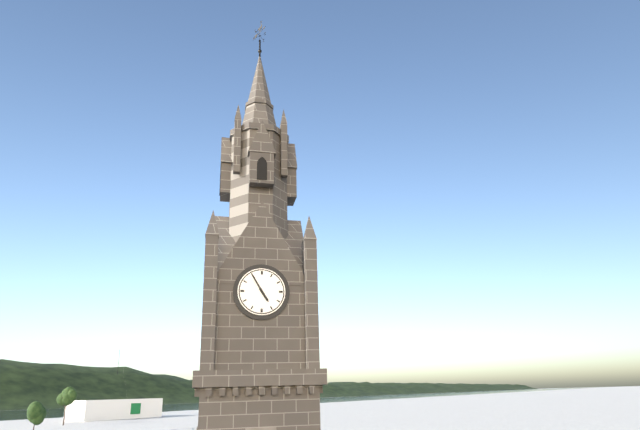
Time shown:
{"hour": 4, "minute": 55}
